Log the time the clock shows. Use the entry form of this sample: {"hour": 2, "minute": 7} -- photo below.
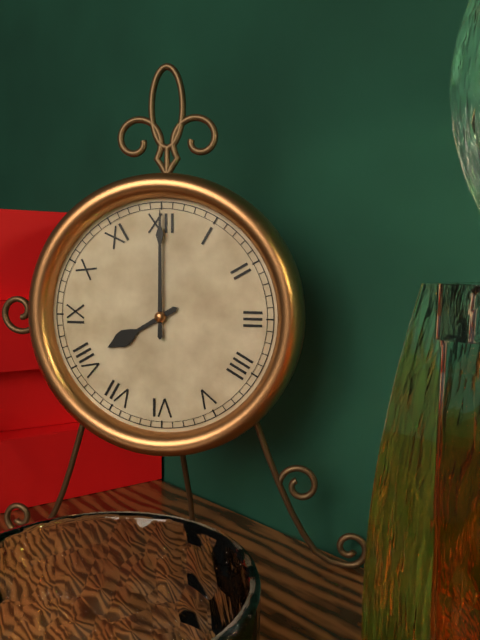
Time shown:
{"hour": 8, "minute": 0}
